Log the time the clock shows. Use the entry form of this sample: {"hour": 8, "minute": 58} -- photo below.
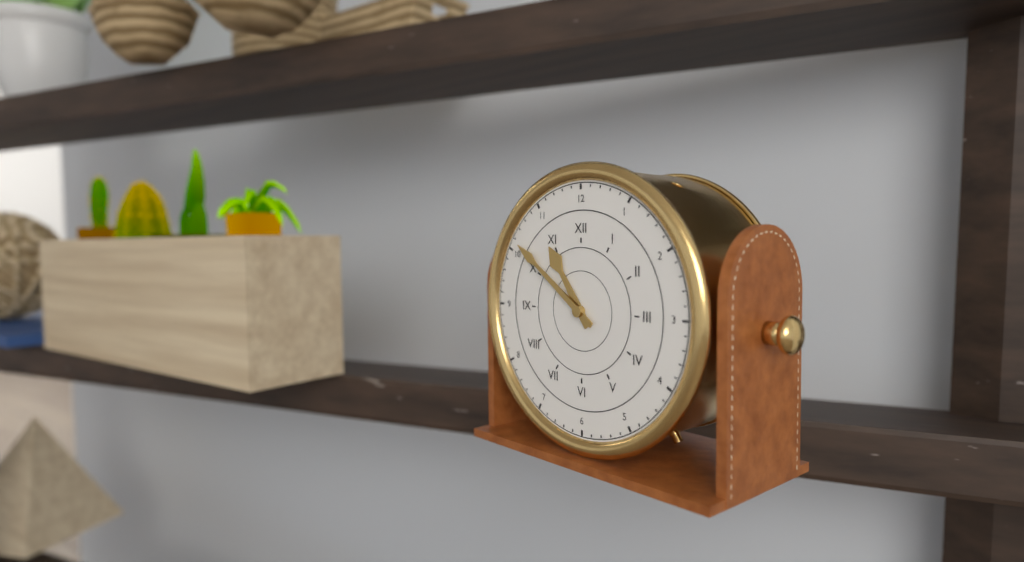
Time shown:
{"hour": 10, "minute": 51}
